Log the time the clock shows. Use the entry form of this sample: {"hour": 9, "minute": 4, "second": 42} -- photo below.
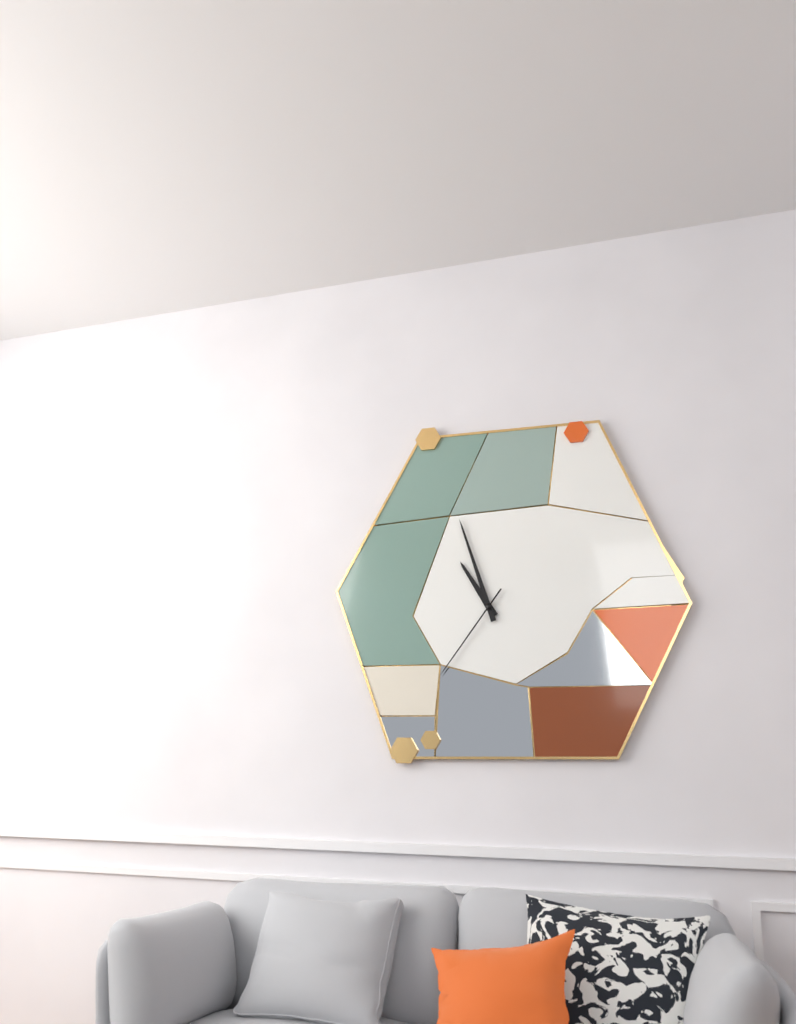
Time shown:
{"hour": 10, "minute": 57, "second": 36}
